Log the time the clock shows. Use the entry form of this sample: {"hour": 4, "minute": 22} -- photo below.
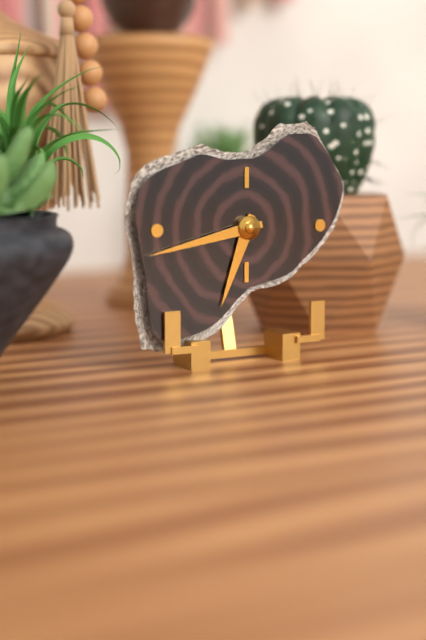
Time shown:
{"hour": 6, "minute": 43}
